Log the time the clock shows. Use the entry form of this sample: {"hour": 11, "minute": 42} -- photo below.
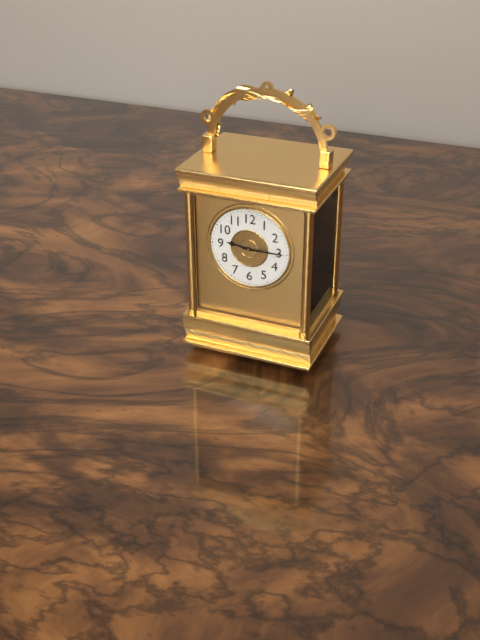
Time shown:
{"hour": 9, "minute": 15}
